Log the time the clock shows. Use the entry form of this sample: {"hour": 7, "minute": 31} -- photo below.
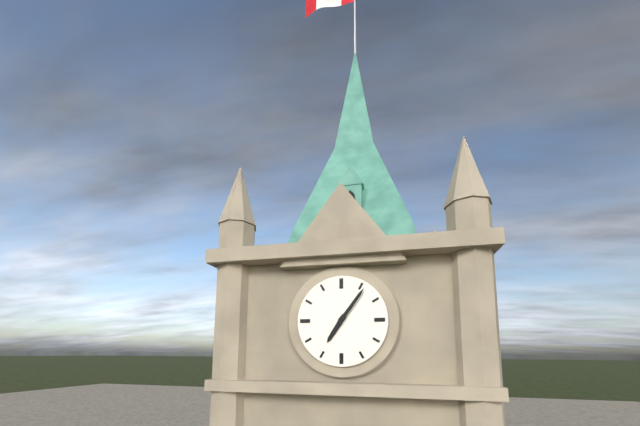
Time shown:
{"hour": 7, "minute": 6}
